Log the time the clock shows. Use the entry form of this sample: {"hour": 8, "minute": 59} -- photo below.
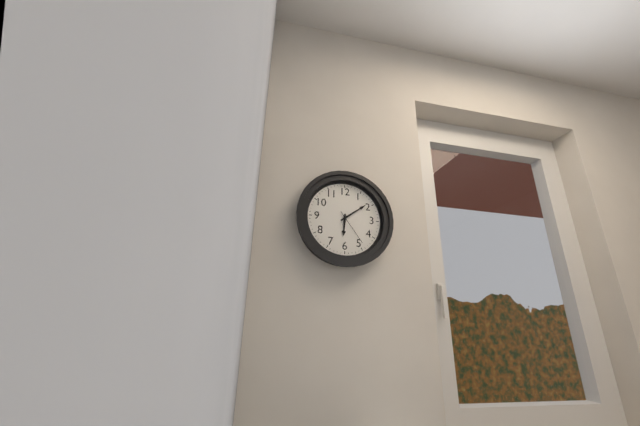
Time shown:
{"hour": 6, "minute": 9}
